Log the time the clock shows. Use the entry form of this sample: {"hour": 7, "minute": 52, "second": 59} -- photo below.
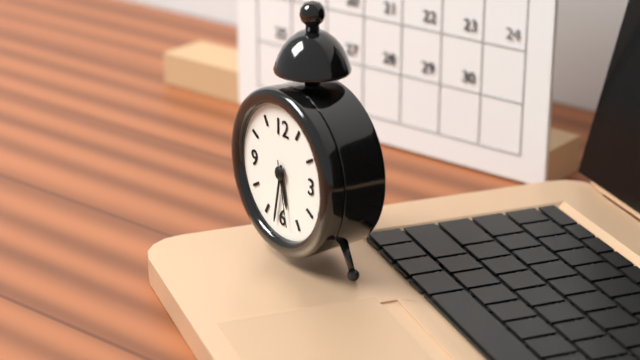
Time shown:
{"hour": 5, "minute": 32, "second": 28}
